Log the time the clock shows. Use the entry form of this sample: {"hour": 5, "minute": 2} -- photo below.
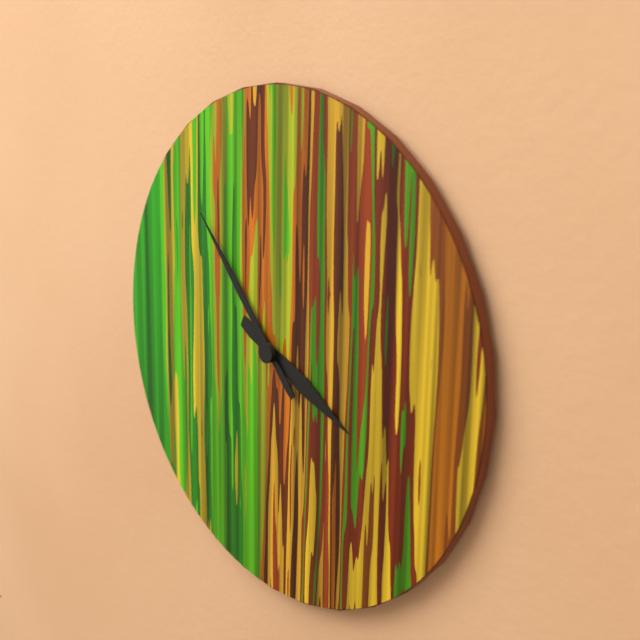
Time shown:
{"hour": 3, "minute": 53}
